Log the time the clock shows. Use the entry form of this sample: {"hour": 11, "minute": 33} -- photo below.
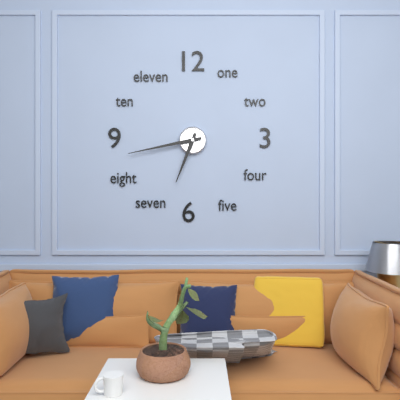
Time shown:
{"hour": 6, "minute": 43}
